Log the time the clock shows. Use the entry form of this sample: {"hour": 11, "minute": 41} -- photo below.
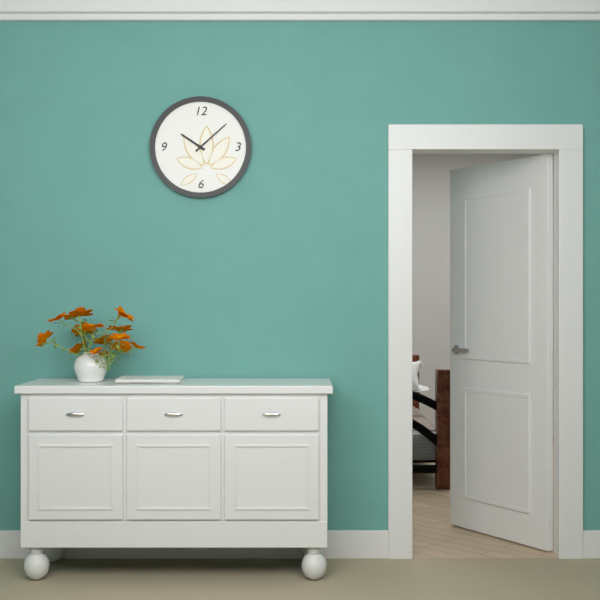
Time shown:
{"hour": 10, "minute": 8}
